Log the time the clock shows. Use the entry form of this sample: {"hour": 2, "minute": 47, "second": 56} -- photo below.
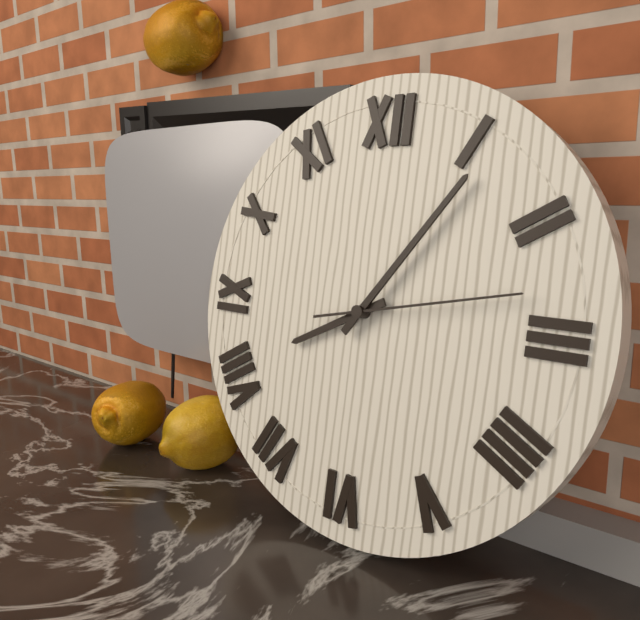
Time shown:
{"hour": 8, "minute": 6, "second": 13}
